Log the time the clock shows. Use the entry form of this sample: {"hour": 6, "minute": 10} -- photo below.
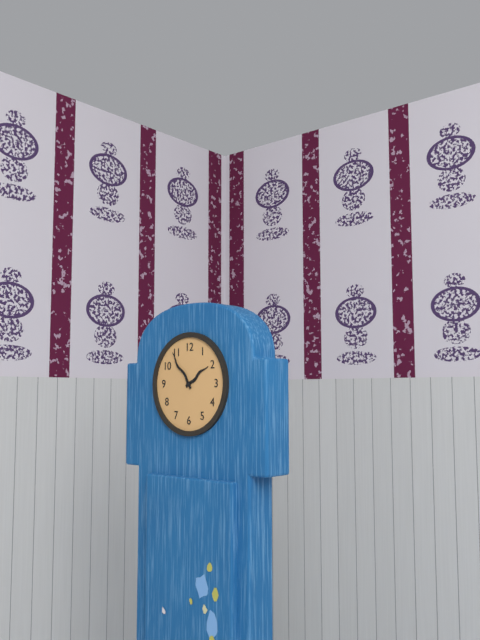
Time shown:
{"hour": 1, "minute": 54}
